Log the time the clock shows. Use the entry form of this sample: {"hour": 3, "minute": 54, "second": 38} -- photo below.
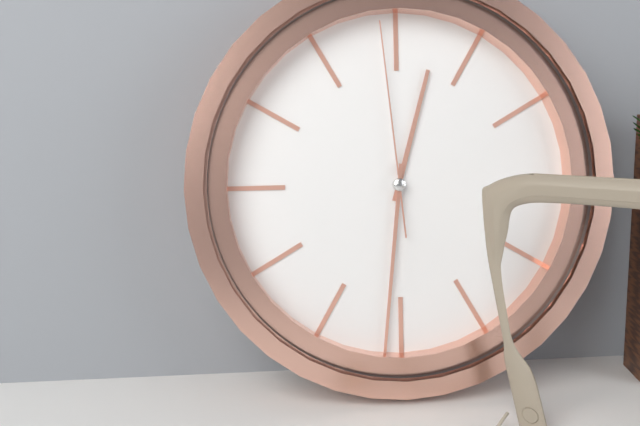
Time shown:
{"hour": 12, "minute": 31, "second": 59}
